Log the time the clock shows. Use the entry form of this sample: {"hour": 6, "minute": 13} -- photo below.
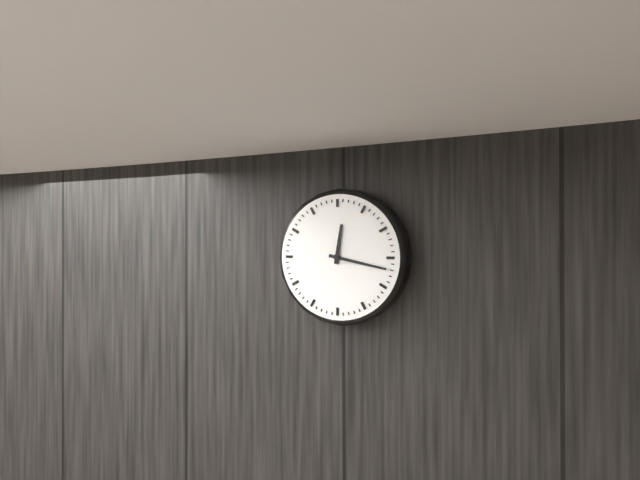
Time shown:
{"hour": 12, "minute": 17}
